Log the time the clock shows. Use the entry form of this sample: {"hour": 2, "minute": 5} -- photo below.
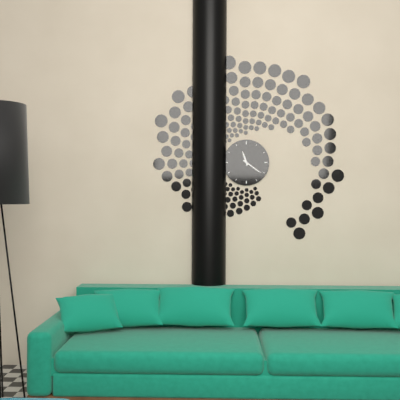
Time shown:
{"hour": 11, "minute": 21}
